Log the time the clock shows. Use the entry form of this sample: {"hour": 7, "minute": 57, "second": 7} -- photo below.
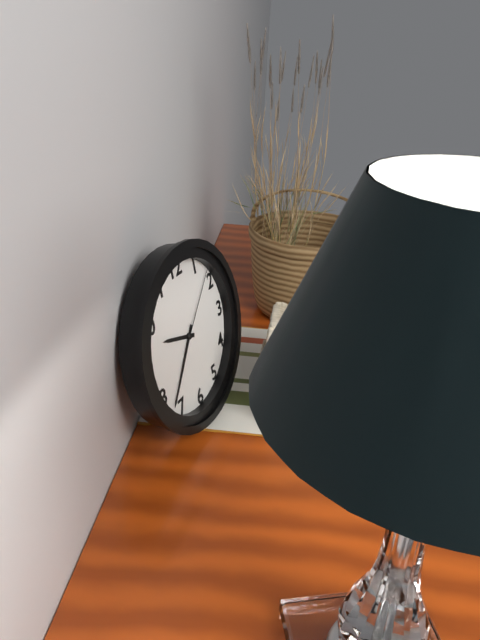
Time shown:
{"hour": 9, "minute": 37, "second": 8}
